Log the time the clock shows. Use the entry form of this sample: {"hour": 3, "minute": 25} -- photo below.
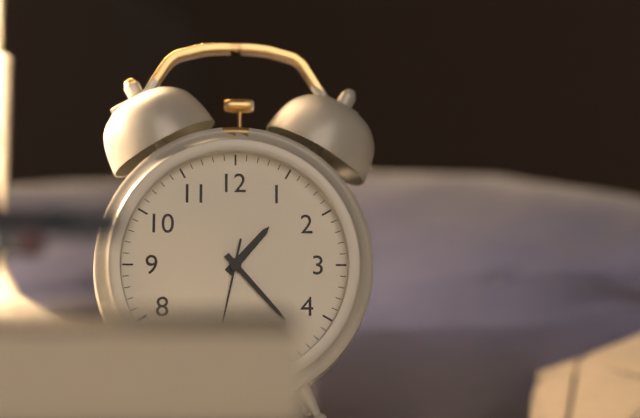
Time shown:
{"hour": 1, "minute": 23}
